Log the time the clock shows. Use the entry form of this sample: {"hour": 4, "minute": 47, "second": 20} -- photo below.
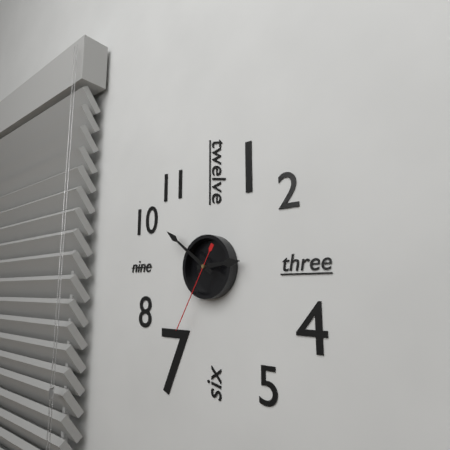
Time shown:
{"hour": 2, "minute": 51, "second": 35}
